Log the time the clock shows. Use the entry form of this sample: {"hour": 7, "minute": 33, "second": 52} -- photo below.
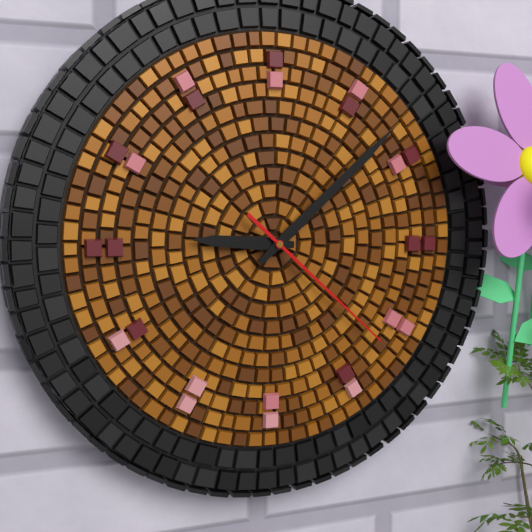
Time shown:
{"hour": 9, "minute": 8, "second": 22}
